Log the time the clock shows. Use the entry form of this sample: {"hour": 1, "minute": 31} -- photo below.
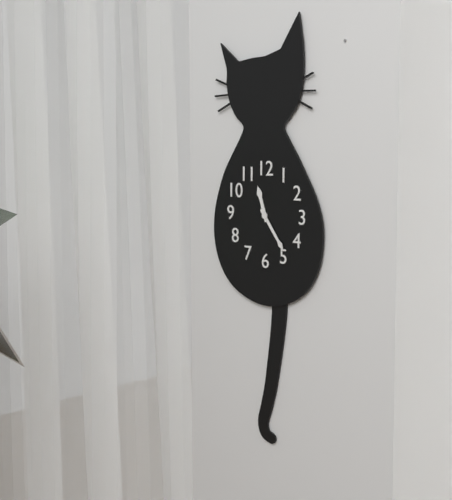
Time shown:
{"hour": 11, "minute": 24}
